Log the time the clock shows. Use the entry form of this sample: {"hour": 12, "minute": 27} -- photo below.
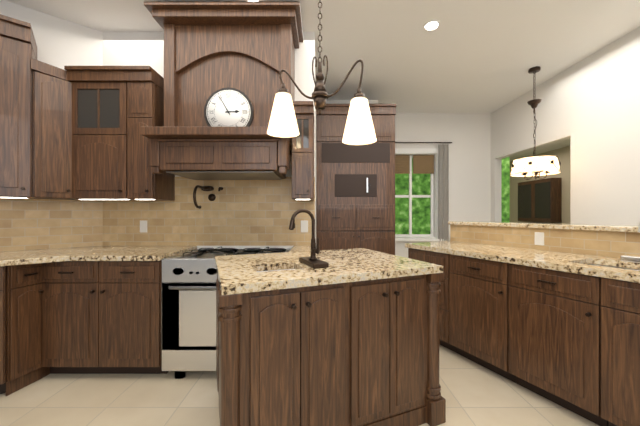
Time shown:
{"hour": 2, "minute": 55}
